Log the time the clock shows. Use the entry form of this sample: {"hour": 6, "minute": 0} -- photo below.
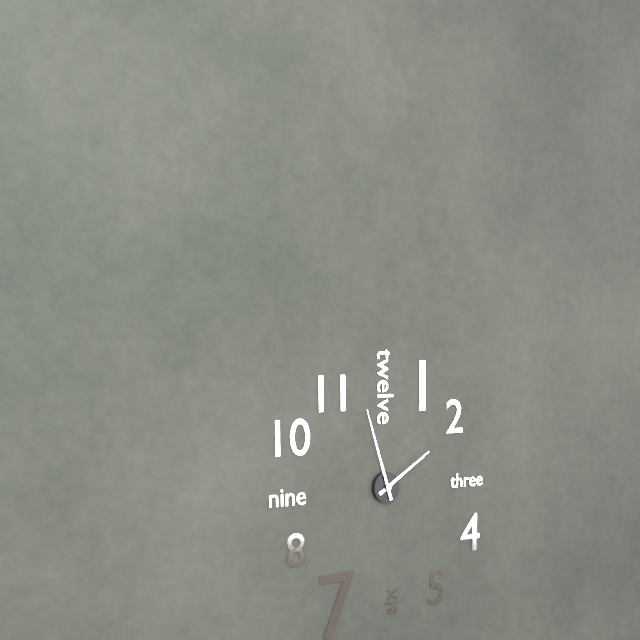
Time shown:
{"hour": 1, "minute": 57}
